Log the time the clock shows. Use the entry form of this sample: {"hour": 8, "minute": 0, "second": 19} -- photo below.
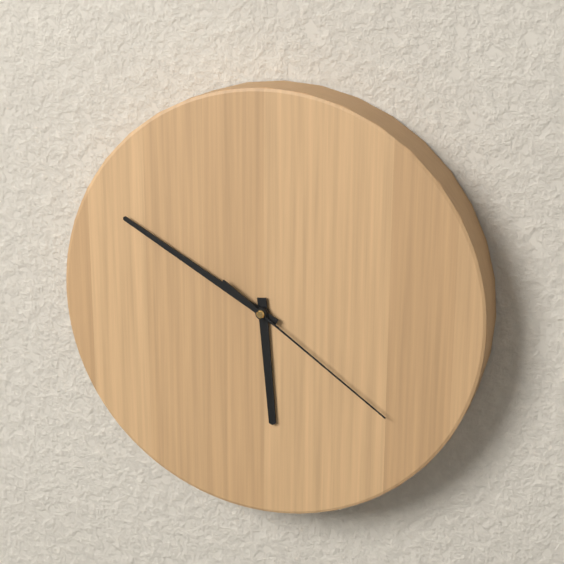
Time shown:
{"hour": 5, "minute": 50, "second": 21}
